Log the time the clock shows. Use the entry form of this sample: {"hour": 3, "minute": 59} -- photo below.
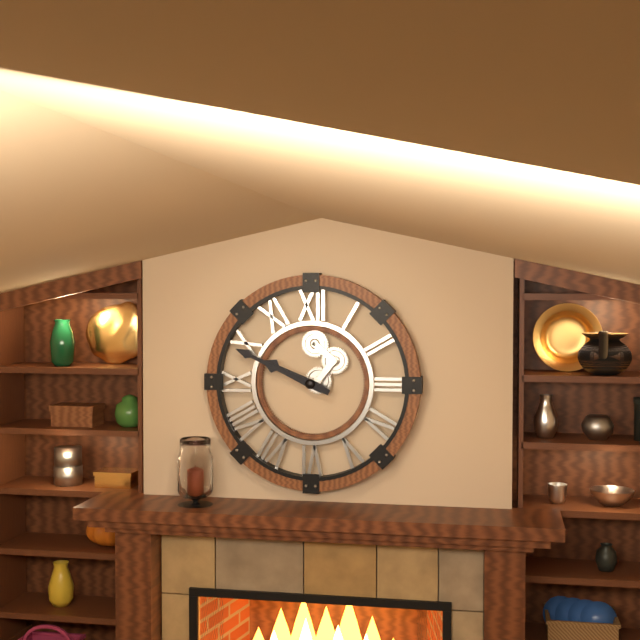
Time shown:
{"hour": 9, "minute": 49}
